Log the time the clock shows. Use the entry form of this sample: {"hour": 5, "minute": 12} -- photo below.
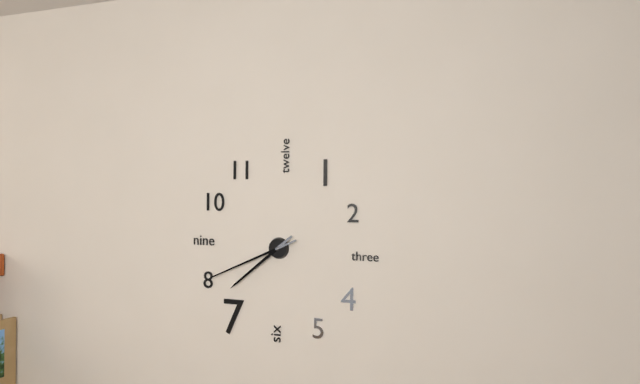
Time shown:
{"hour": 7, "minute": 41}
